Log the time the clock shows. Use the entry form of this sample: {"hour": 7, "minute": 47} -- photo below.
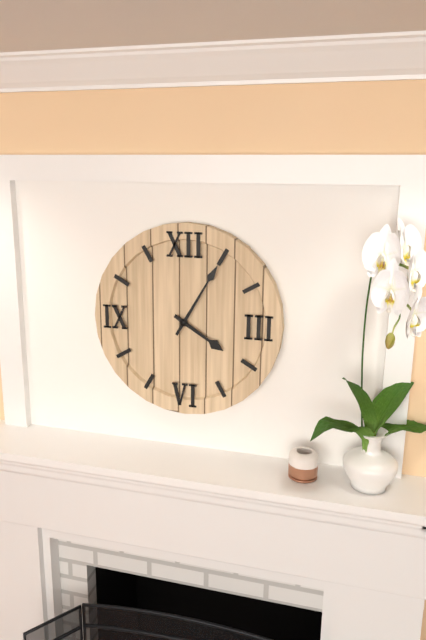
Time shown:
{"hour": 4, "minute": 5}
